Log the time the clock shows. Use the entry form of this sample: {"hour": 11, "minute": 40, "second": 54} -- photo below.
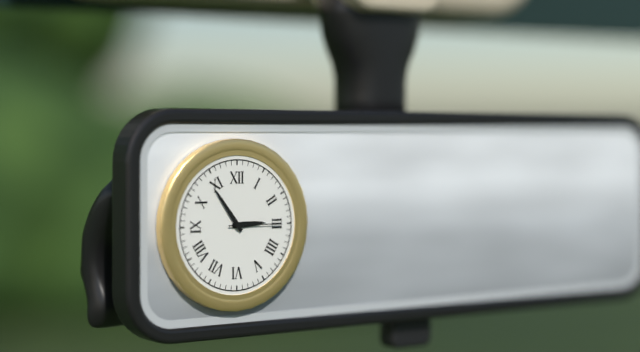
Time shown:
{"hour": 2, "minute": 54, "second": 15}
